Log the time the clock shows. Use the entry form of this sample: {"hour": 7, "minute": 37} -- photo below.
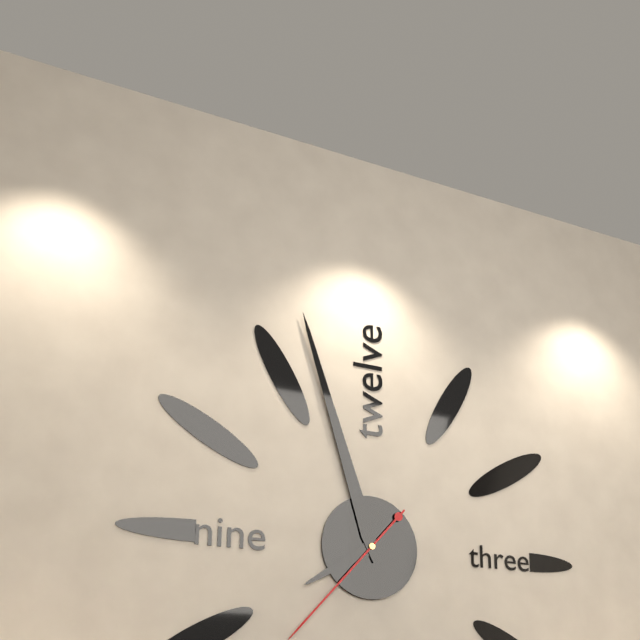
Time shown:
{"hour": 7, "minute": 57}
